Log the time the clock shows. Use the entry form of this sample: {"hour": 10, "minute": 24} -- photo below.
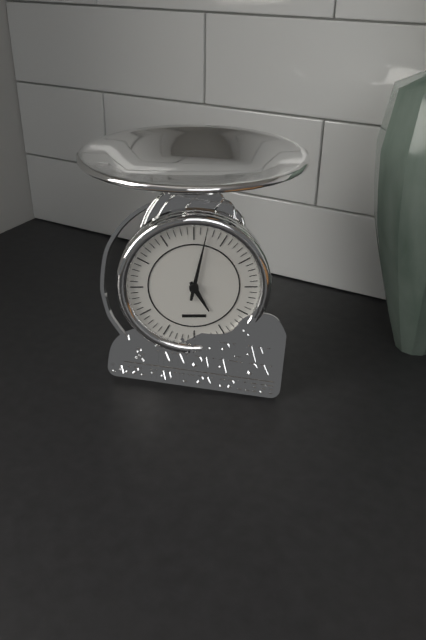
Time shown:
{"hour": 5, "minute": 2}
